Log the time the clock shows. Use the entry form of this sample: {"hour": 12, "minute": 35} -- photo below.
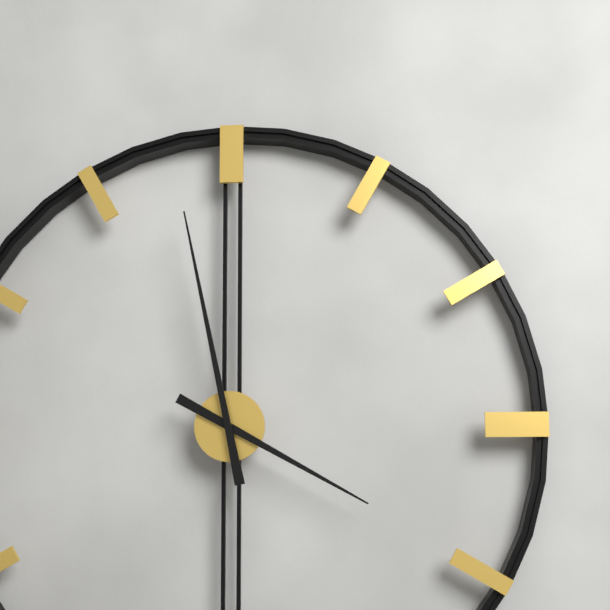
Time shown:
{"hour": 3, "minute": 58}
